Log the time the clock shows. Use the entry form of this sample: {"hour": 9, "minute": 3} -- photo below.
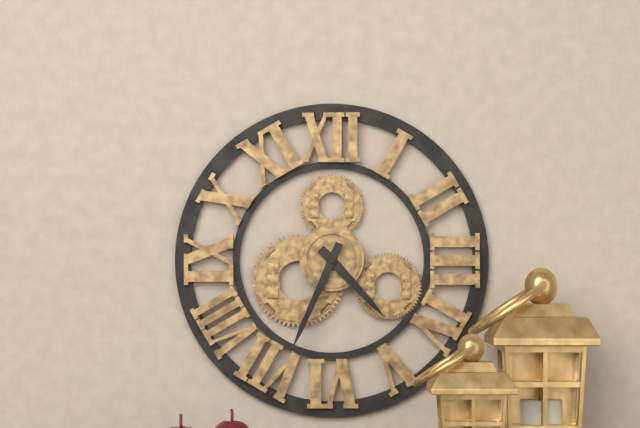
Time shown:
{"hour": 4, "minute": 34}
